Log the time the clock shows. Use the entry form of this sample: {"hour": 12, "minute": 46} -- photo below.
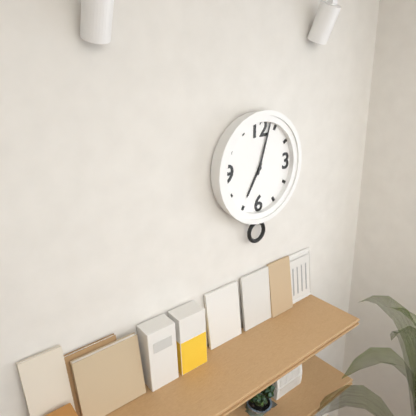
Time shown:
{"hour": 7, "minute": 3}
